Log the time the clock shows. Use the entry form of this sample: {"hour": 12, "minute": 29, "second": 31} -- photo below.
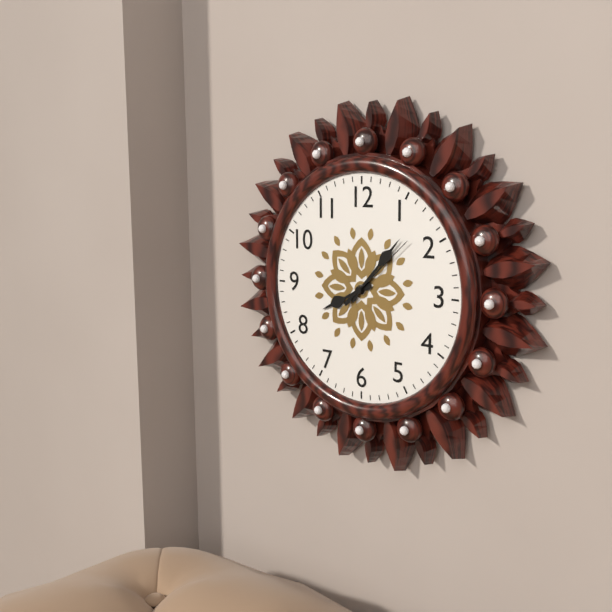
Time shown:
{"hour": 8, "minute": 7, "second": 8}
